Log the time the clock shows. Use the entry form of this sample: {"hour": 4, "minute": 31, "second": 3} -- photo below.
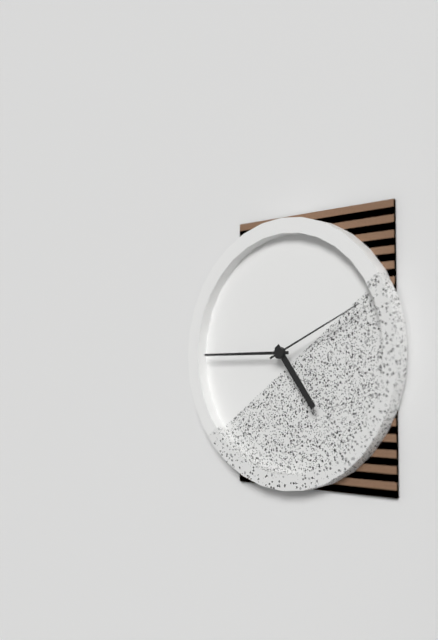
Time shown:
{"hour": 4, "minute": 45, "second": 11}
